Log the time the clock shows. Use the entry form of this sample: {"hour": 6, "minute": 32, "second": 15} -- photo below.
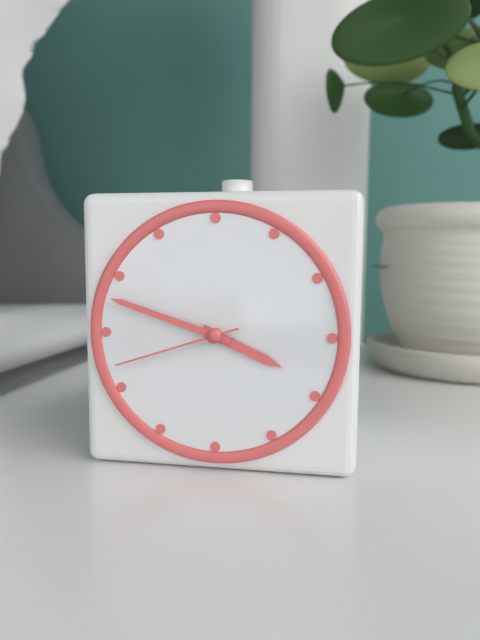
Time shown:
{"hour": 3, "minute": 48, "second": 42}
